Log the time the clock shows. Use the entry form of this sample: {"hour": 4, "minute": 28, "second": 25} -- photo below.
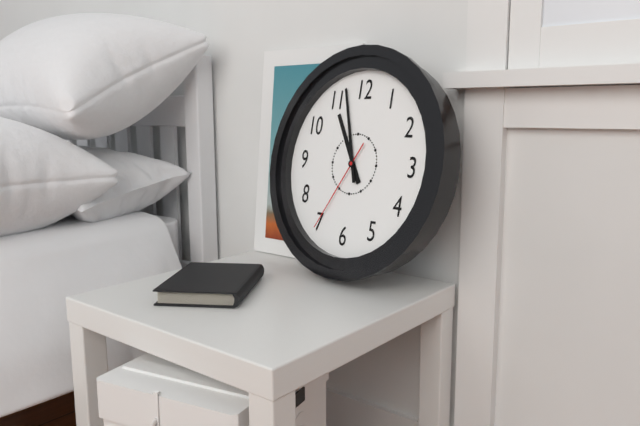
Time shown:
{"hour": 10, "minute": 57, "second": 35}
